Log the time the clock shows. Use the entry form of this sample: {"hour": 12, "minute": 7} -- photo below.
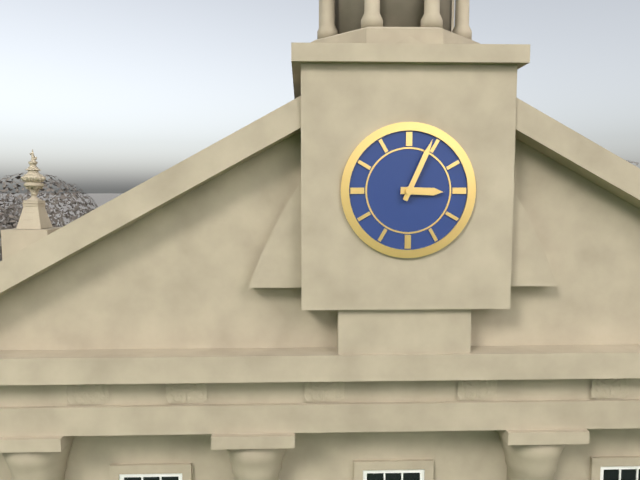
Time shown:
{"hour": 3, "minute": 4}
